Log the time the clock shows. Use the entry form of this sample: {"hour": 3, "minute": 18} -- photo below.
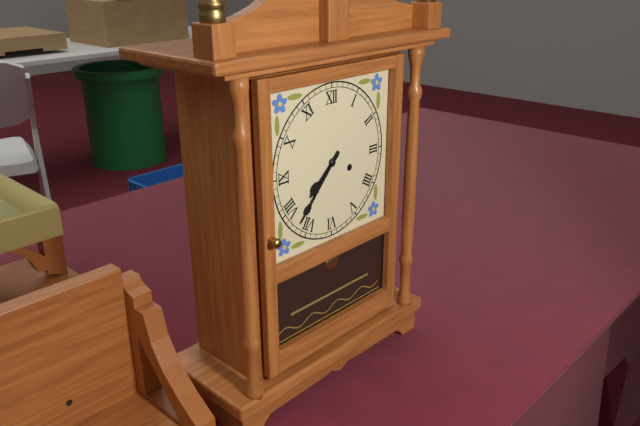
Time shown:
{"hour": 7, "minute": 37}
